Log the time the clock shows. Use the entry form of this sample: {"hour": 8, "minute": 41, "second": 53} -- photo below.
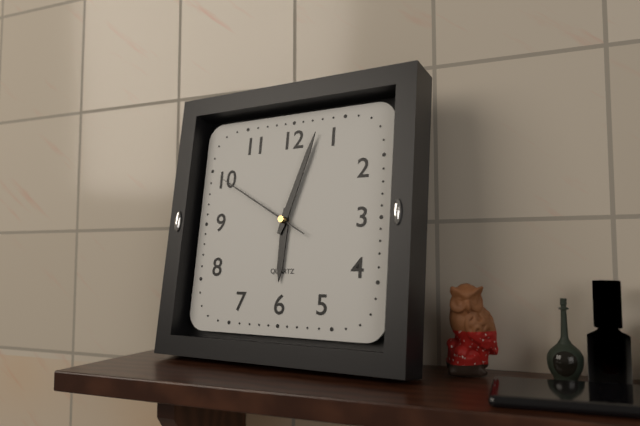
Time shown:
{"hour": 6, "minute": 3, "second": 50}
